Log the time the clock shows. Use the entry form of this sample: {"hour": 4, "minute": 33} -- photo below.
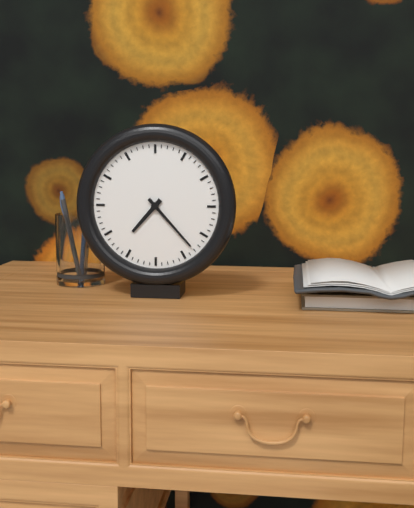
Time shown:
{"hour": 7, "minute": 23}
